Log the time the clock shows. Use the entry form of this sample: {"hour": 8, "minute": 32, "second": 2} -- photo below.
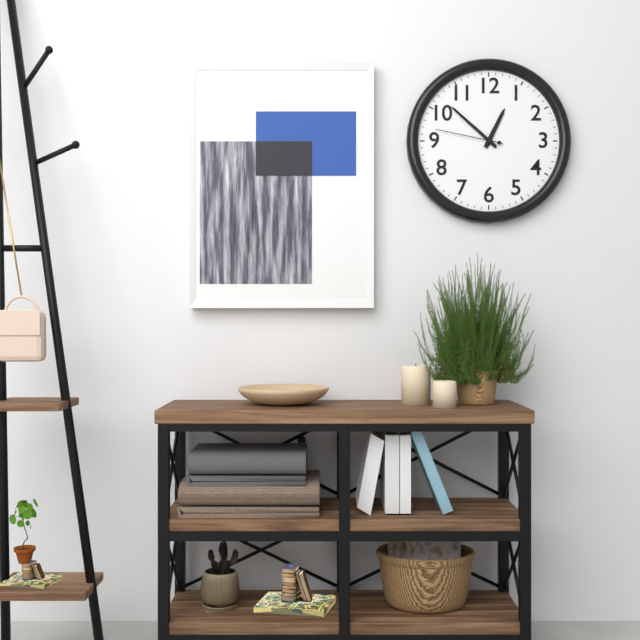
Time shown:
{"hour": 12, "minute": 52, "second": 47}
